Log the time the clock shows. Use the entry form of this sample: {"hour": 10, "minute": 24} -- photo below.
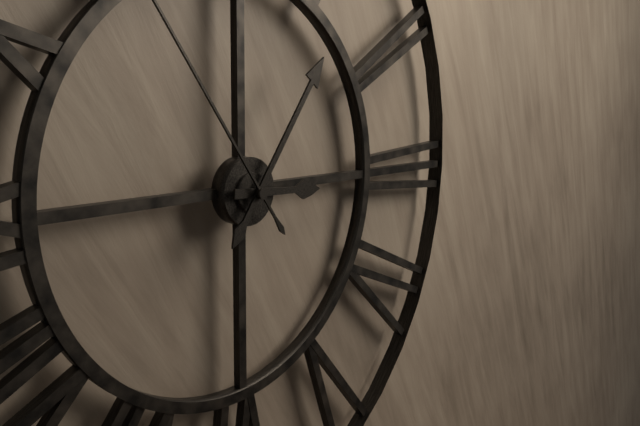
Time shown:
{"hour": 3, "minute": 6}
